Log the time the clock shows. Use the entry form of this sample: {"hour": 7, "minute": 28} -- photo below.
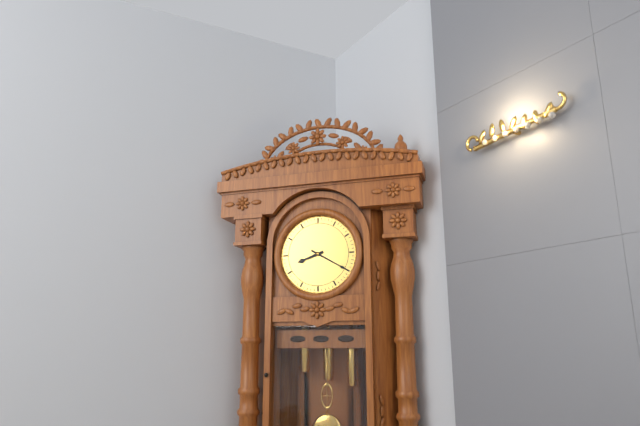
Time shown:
{"hour": 8, "minute": 20}
